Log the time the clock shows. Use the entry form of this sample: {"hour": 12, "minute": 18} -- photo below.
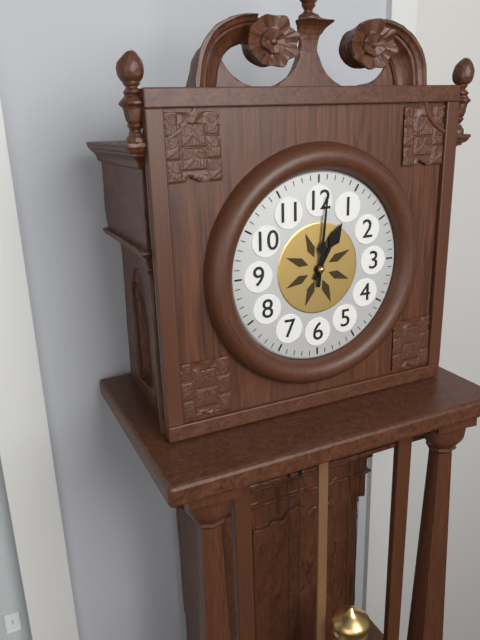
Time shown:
{"hour": 1, "minute": 1}
